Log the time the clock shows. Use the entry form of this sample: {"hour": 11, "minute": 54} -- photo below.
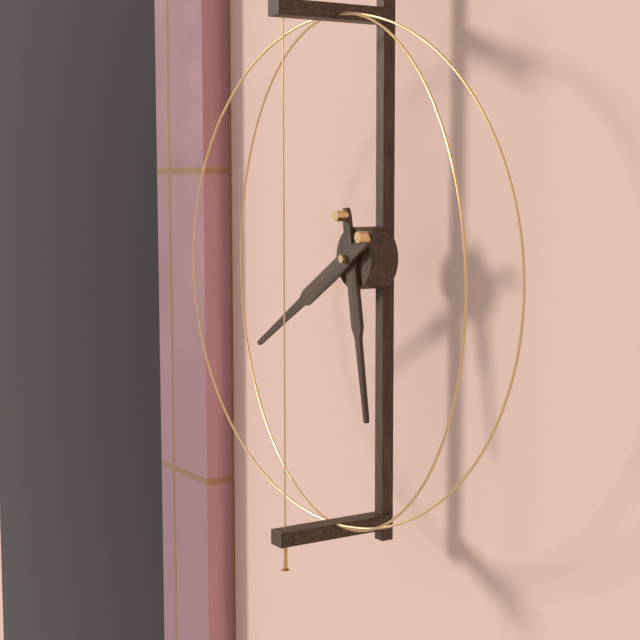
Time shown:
{"hour": 5, "minute": 40}
